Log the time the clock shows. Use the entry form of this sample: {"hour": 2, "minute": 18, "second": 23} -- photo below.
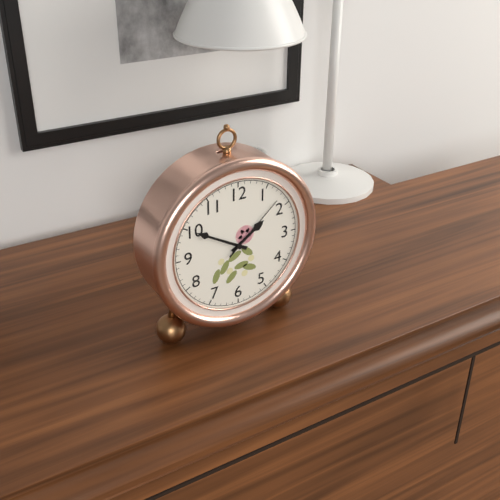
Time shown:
{"hour": 1, "minute": 50, "second": 8}
